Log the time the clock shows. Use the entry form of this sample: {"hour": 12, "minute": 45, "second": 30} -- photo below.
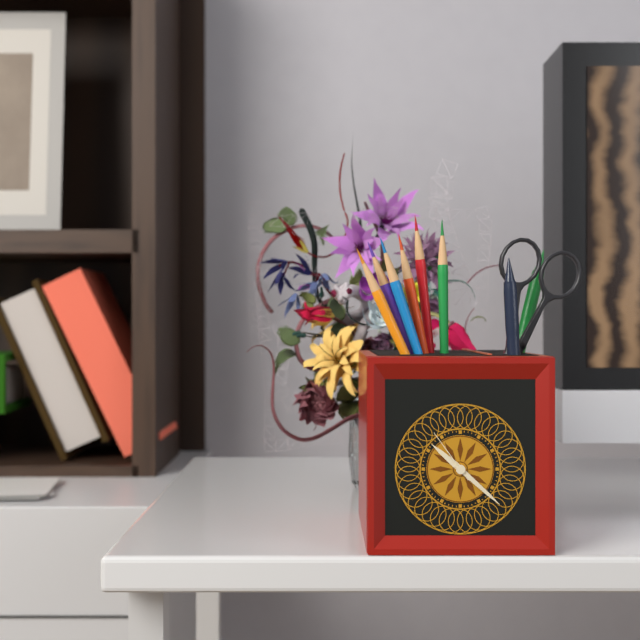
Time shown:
{"hour": 10, "minute": 22, "second": 54}
